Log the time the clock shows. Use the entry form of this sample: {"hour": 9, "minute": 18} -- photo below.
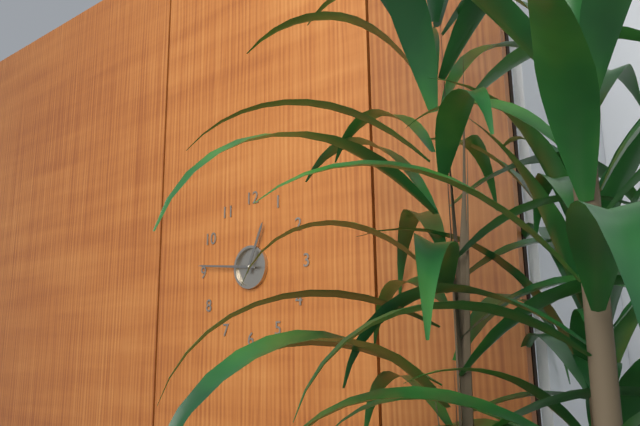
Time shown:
{"hour": 12, "minute": 46}
